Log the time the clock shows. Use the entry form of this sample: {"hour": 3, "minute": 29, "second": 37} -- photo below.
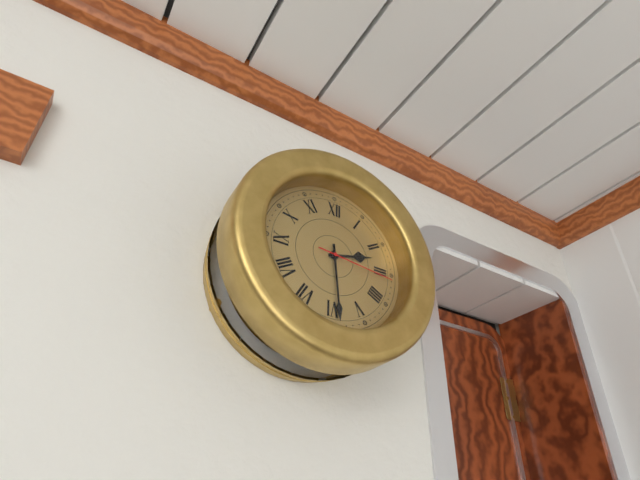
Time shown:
{"hour": 2, "minute": 29, "second": 16}
